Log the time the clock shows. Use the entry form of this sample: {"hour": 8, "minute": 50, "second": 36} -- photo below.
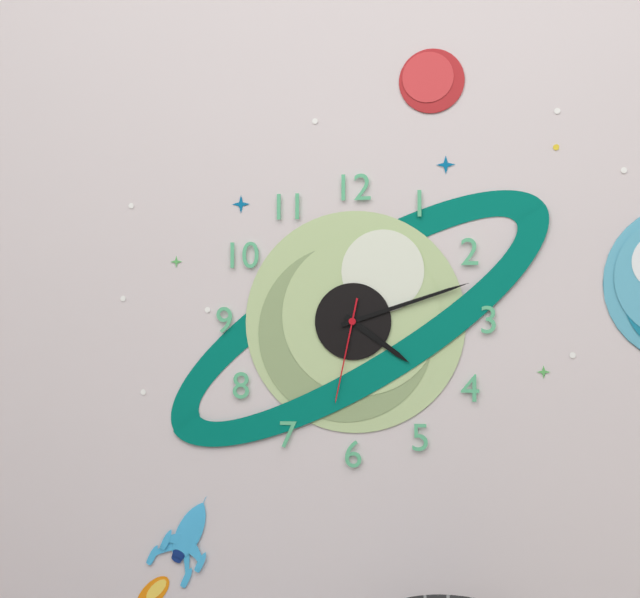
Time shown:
{"hour": 4, "minute": 12, "second": 32}
